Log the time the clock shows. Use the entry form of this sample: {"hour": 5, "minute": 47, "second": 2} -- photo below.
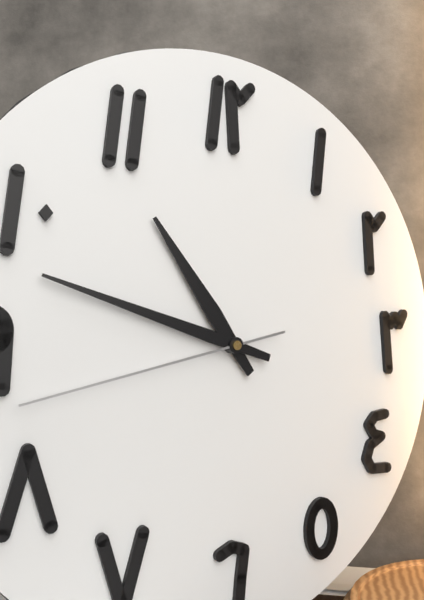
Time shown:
{"hour": 10, "minute": 48, "second": 43}
